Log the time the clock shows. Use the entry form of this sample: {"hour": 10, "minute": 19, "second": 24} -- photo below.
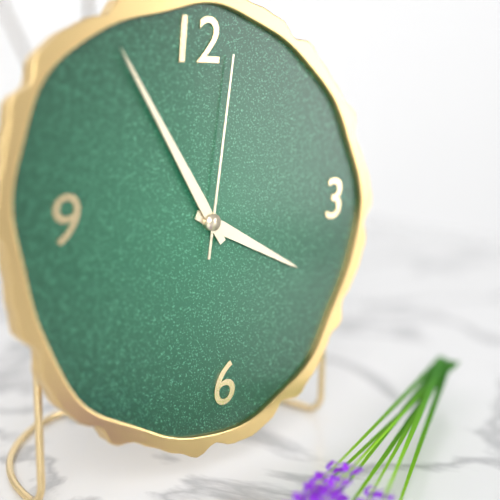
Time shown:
{"hour": 3, "minute": 55, "second": 2}
